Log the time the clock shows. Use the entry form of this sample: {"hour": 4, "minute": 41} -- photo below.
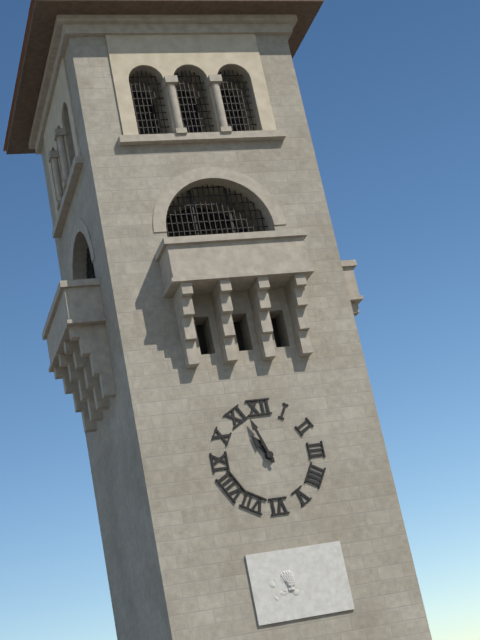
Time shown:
{"hour": 10, "minute": 57}
